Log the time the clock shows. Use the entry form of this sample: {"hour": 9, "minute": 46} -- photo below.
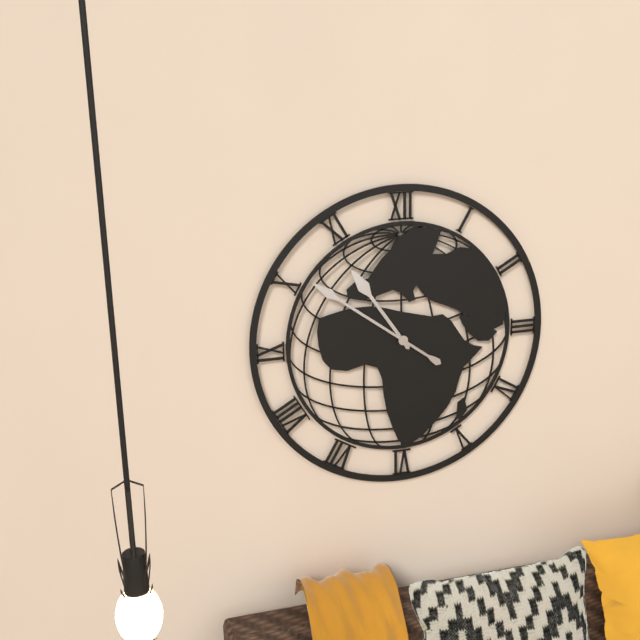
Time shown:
{"hour": 10, "minute": 51}
